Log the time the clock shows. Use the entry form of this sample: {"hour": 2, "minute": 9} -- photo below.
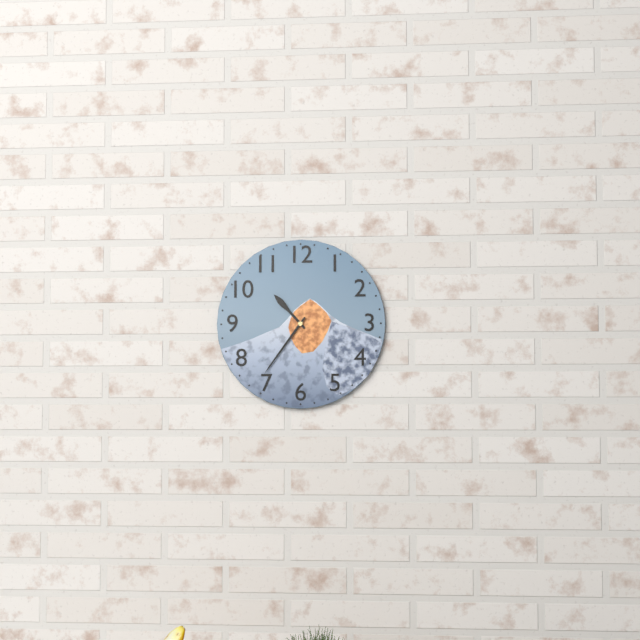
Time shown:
{"hour": 10, "minute": 36}
